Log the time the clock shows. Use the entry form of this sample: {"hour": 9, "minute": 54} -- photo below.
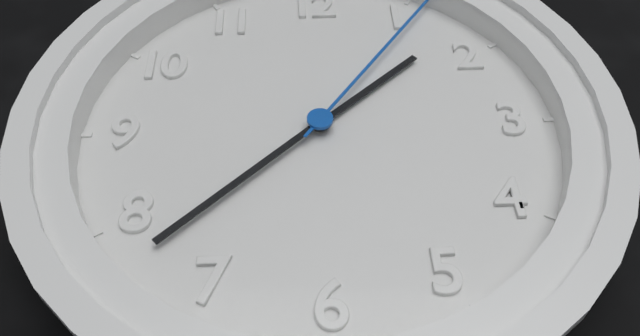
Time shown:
{"hour": 1, "minute": 38}
